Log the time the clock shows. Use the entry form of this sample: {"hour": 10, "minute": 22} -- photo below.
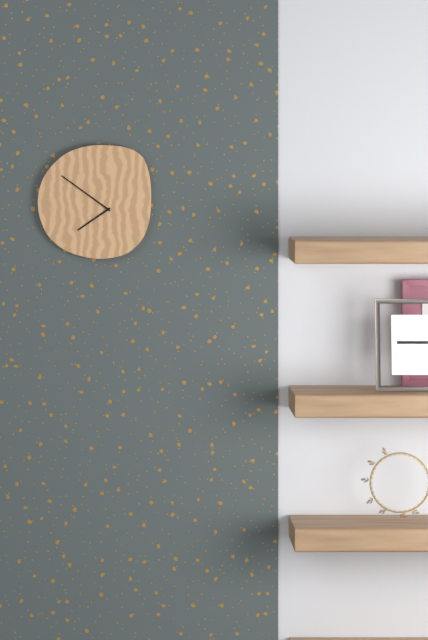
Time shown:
{"hour": 7, "minute": 51}
